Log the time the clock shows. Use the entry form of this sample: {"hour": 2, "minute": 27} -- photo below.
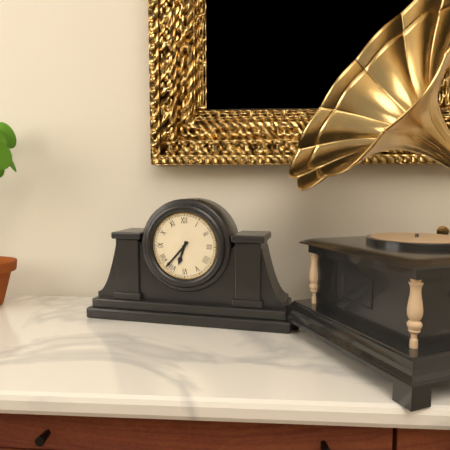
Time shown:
{"hour": 6, "minute": 37}
